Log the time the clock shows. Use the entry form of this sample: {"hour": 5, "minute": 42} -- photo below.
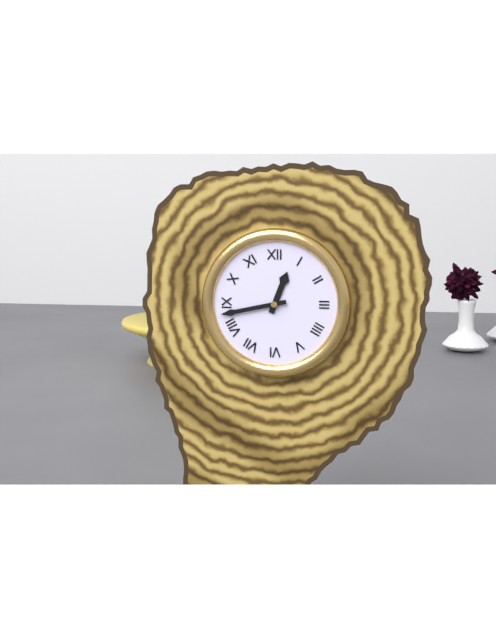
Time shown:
{"hour": 12, "minute": 43}
